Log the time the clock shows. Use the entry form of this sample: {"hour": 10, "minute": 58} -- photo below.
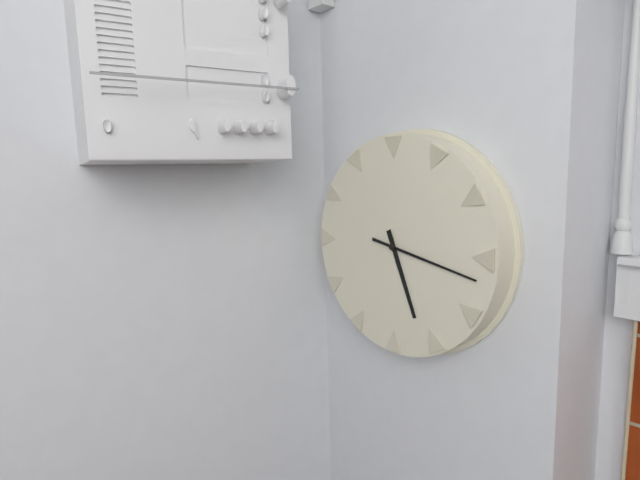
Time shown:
{"hour": 5, "minute": 17}
